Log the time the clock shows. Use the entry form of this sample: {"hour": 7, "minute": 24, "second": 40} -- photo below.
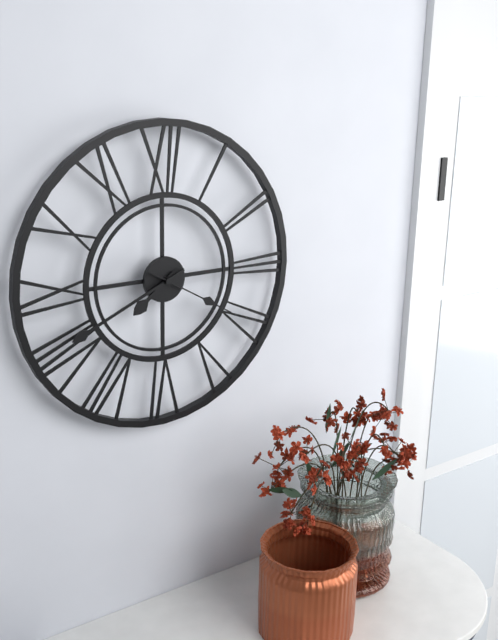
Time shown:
{"hour": 7, "minute": 41, "second": 20}
